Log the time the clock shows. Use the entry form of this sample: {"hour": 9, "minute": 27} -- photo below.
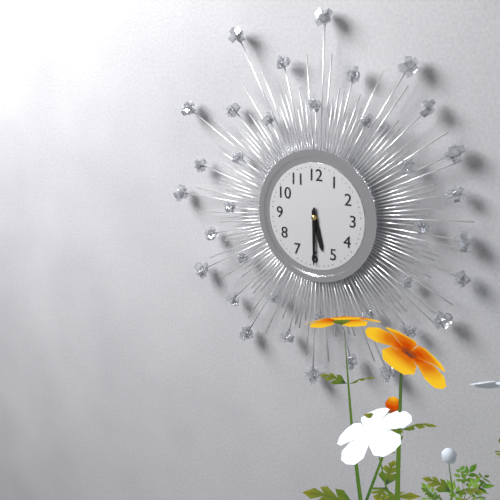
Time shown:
{"hour": 5, "minute": 30}
